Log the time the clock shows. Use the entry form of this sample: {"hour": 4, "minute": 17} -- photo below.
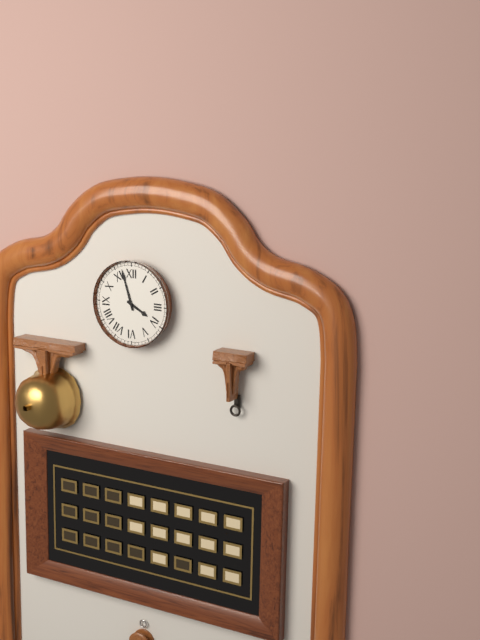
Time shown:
{"hour": 3, "minute": 57}
